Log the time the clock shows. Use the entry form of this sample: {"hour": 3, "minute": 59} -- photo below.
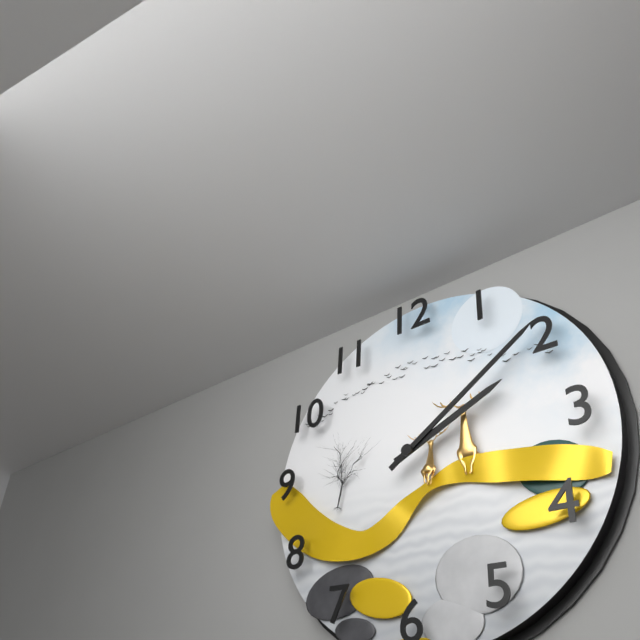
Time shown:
{"hour": 2, "minute": 9}
